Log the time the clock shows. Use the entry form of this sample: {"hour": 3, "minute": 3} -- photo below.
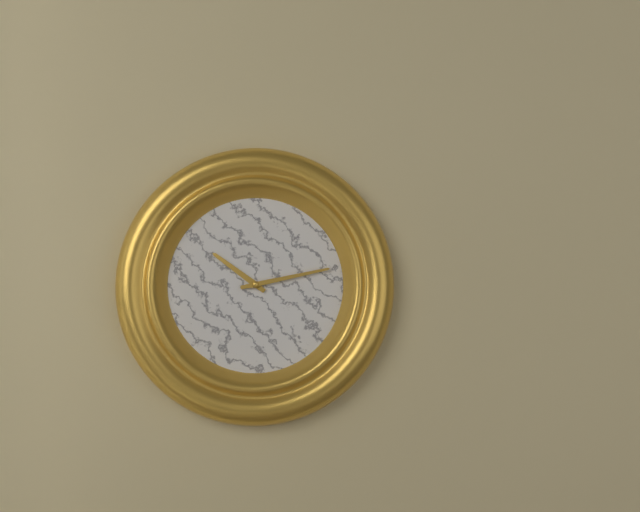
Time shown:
{"hour": 10, "minute": 13}
